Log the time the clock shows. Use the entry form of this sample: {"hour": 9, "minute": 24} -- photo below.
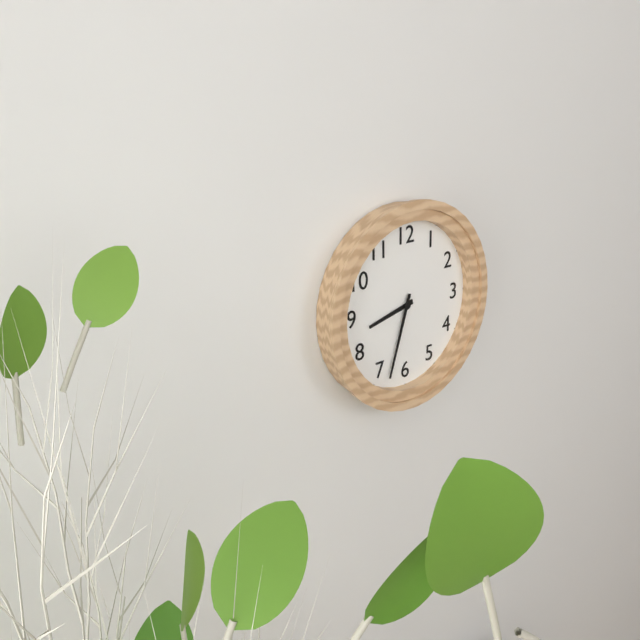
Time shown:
{"hour": 8, "minute": 33}
